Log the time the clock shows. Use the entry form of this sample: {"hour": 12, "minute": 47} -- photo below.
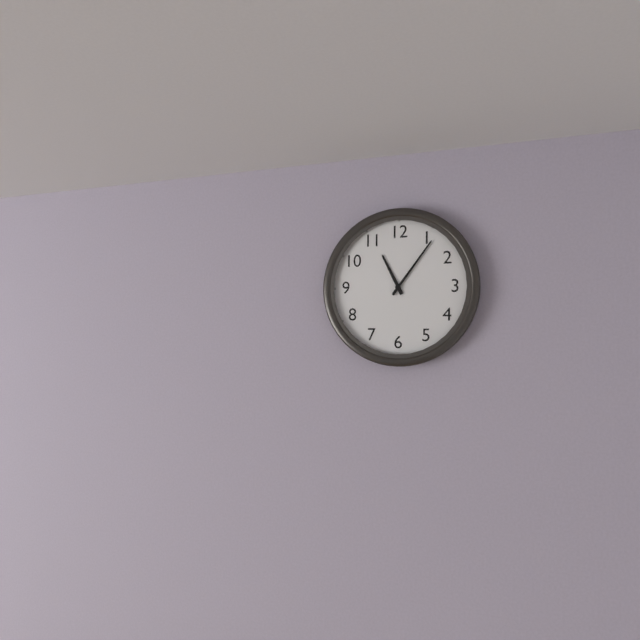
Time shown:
{"hour": 11, "minute": 6}
